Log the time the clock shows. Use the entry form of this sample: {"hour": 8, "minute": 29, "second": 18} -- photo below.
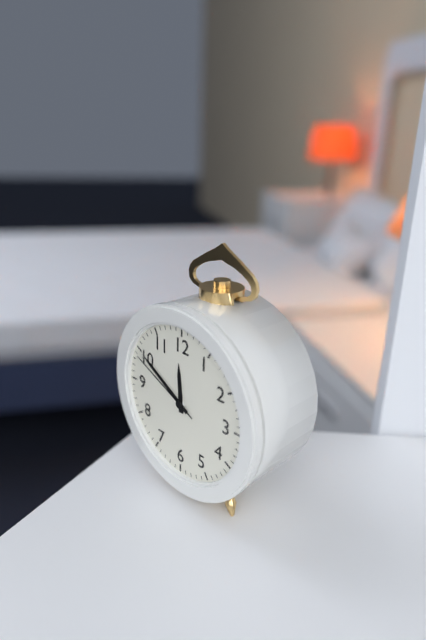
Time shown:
{"hour": 11, "minute": 50, "second": 49}
